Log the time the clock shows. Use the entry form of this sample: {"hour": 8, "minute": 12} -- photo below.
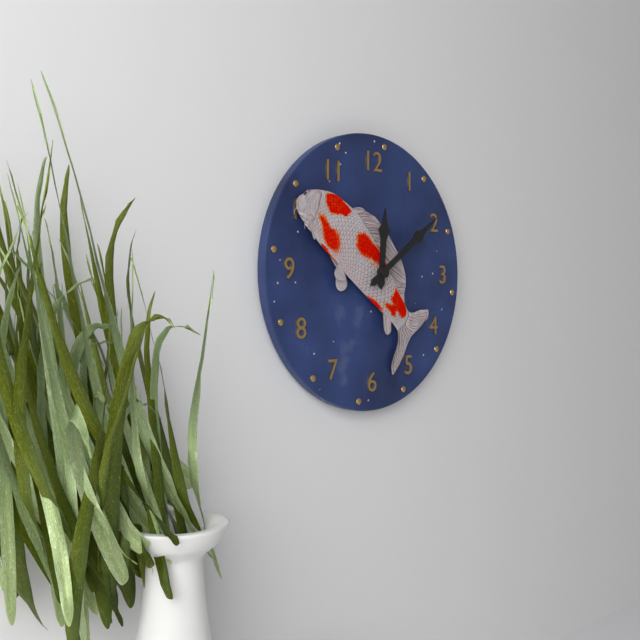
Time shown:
{"hour": 12, "minute": 9}
